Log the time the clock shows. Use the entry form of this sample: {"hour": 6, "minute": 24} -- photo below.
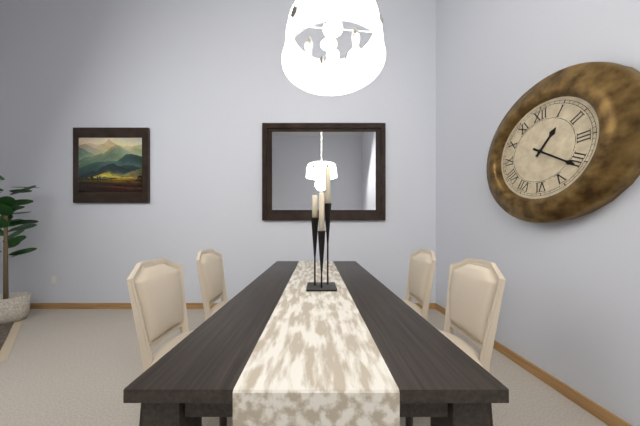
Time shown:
{"hour": 1, "minute": 21}
